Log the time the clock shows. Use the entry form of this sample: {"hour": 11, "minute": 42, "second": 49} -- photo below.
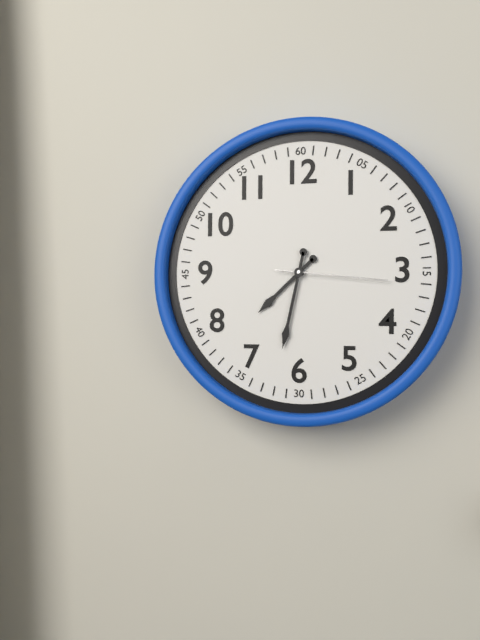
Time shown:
{"hour": 7, "minute": 32, "second": 16}
